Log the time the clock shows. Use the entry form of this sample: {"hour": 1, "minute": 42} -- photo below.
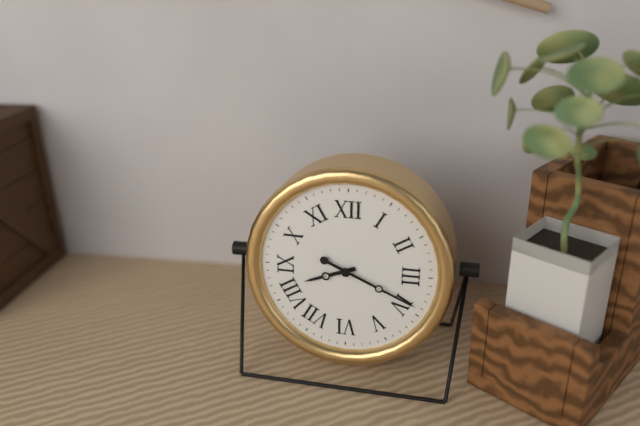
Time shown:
{"hour": 8, "minute": 19}
